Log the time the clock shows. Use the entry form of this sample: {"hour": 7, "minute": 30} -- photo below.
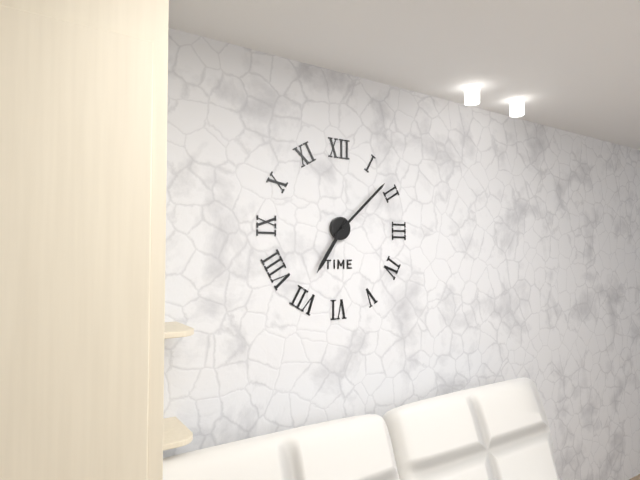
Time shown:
{"hour": 7, "minute": 8}
